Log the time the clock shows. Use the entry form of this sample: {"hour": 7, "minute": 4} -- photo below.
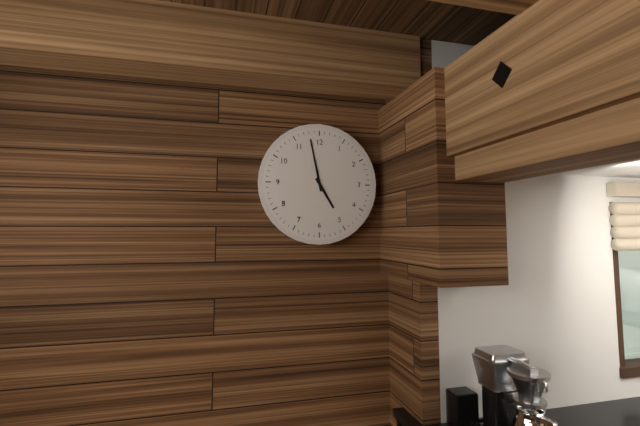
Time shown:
{"hour": 4, "minute": 58}
